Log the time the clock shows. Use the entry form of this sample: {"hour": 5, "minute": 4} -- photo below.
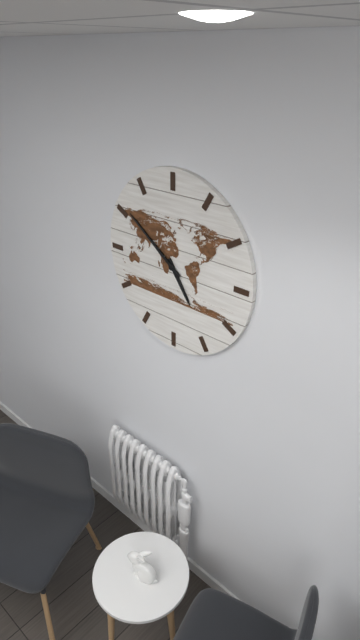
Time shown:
{"hour": 4, "minute": 51}
